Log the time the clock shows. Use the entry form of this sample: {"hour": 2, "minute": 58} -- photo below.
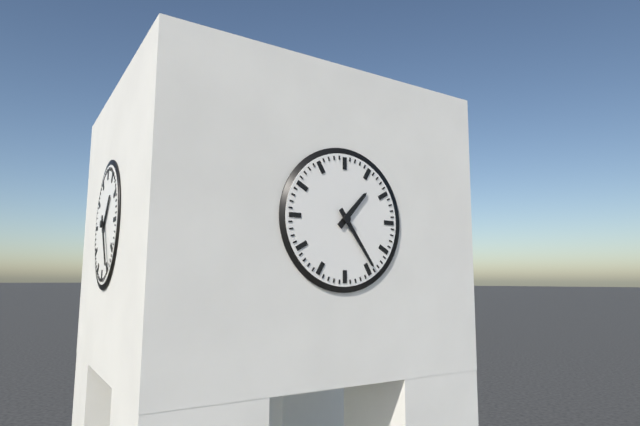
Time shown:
{"hour": 1, "minute": 24}
